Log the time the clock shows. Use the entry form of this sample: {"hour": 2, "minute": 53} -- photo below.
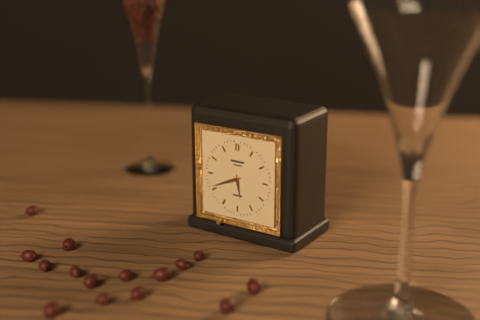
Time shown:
{"hour": 5, "minute": 41}
